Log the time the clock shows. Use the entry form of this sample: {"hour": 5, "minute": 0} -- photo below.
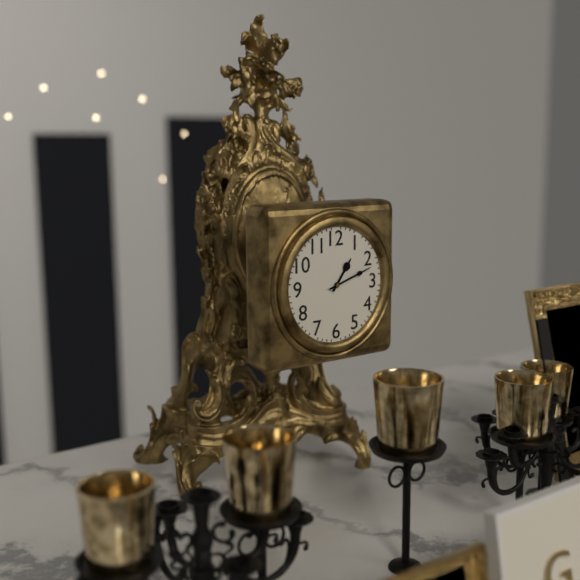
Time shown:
{"hour": 1, "minute": 12}
